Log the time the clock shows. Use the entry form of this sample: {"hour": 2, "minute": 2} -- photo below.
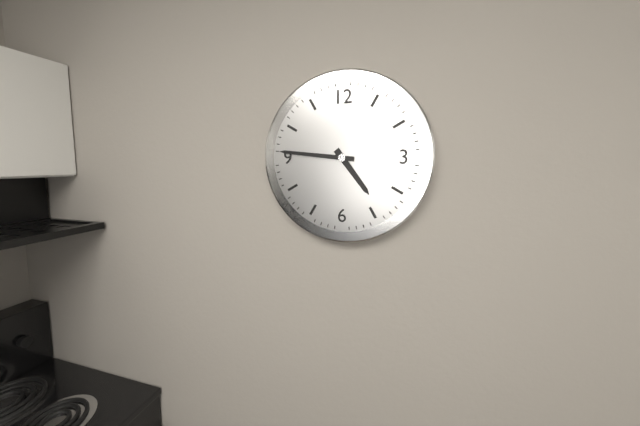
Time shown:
{"hour": 4, "minute": 46}
